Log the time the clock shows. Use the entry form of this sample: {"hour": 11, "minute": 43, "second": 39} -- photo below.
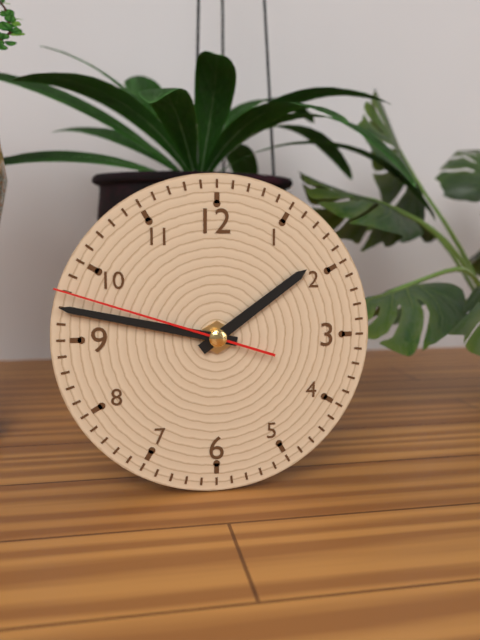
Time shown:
{"hour": 1, "minute": 47, "second": 48}
